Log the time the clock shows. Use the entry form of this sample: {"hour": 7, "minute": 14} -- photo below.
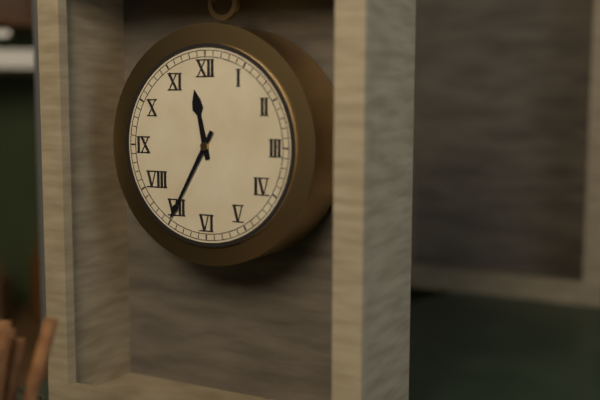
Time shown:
{"hour": 11, "minute": 35}
